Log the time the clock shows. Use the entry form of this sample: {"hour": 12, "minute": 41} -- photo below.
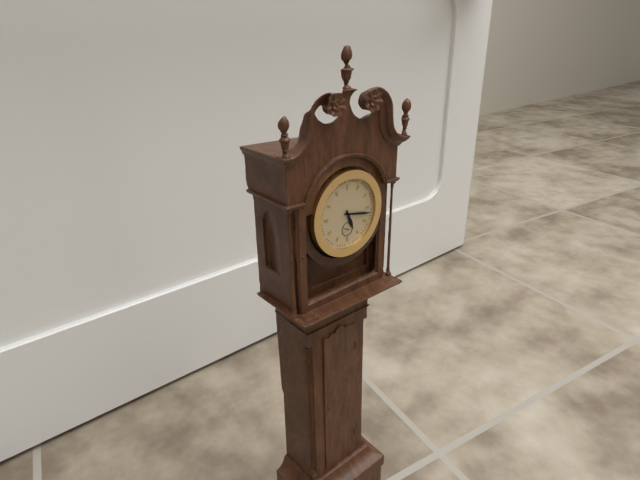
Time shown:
{"hour": 5, "minute": 17}
